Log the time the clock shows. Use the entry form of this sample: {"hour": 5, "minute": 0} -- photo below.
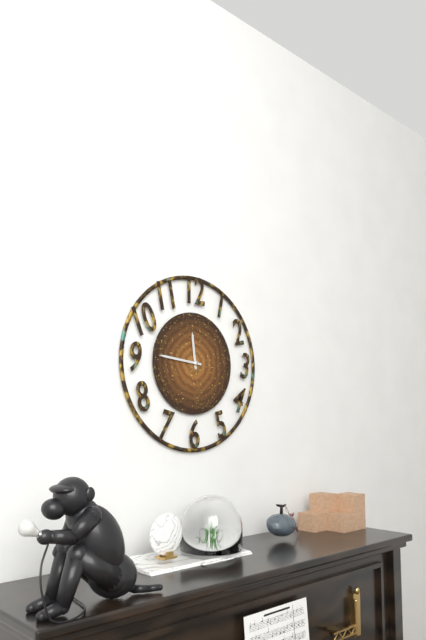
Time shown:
{"hour": 11, "minute": 46}
